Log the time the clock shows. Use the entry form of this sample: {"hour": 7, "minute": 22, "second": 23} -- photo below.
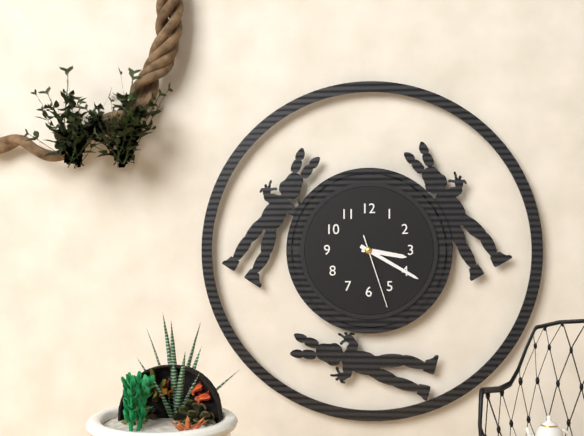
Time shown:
{"hour": 3, "minute": 20, "second": 27}
